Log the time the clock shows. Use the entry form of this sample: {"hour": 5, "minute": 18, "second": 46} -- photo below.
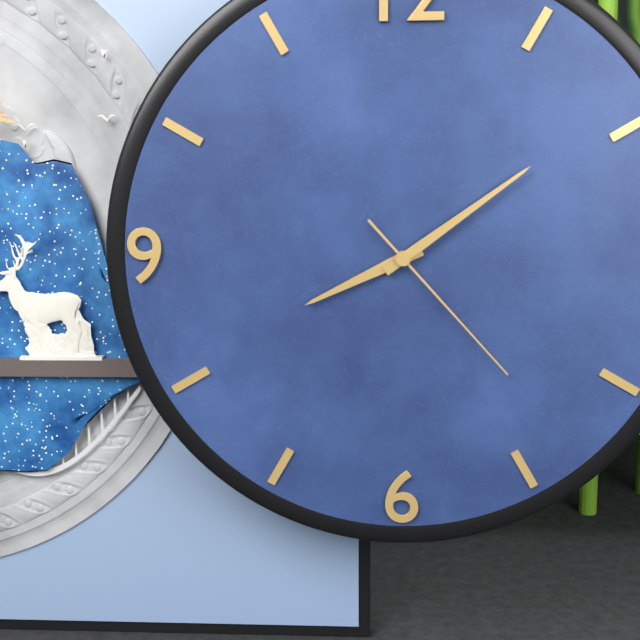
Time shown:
{"hour": 8, "minute": 9, "second": 23}
